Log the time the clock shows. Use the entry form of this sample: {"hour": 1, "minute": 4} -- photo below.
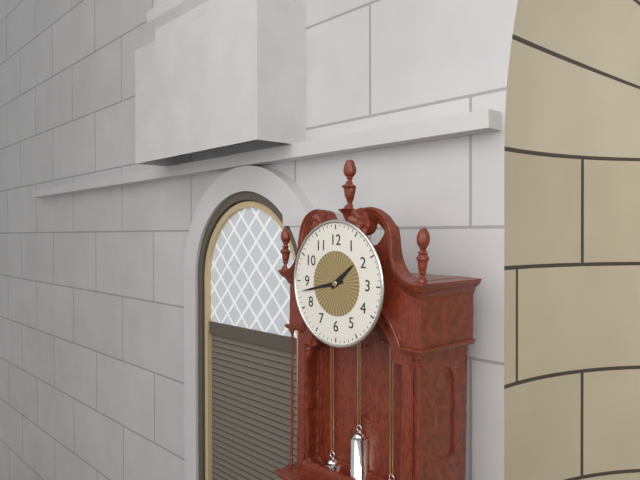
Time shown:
{"hour": 1, "minute": 43}
